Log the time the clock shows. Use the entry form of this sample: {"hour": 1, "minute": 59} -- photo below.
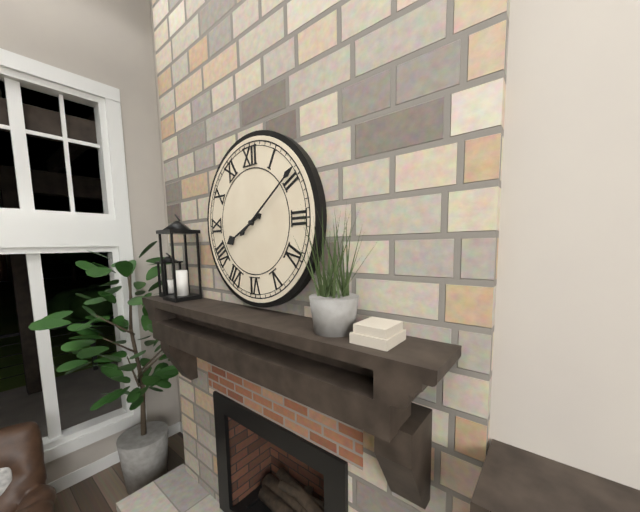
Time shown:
{"hour": 8, "minute": 9}
